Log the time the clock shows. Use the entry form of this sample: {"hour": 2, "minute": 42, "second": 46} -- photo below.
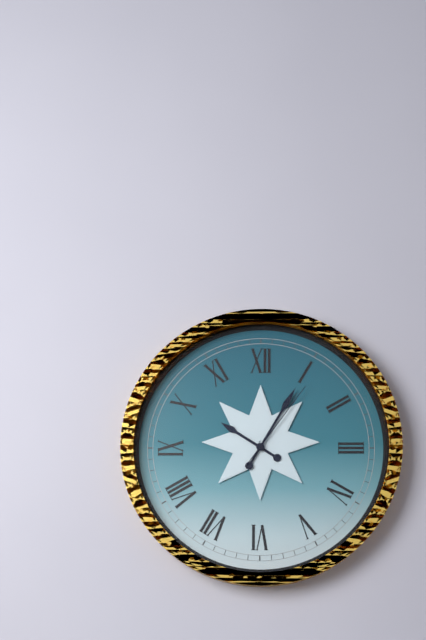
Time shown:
{"hour": 10, "minute": 5, "second": 6}
